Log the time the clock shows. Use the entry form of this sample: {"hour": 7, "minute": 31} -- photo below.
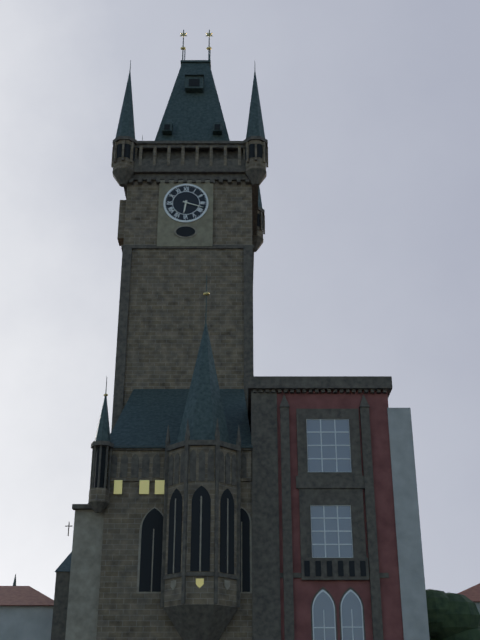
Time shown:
{"hour": 6, "minute": 18}
